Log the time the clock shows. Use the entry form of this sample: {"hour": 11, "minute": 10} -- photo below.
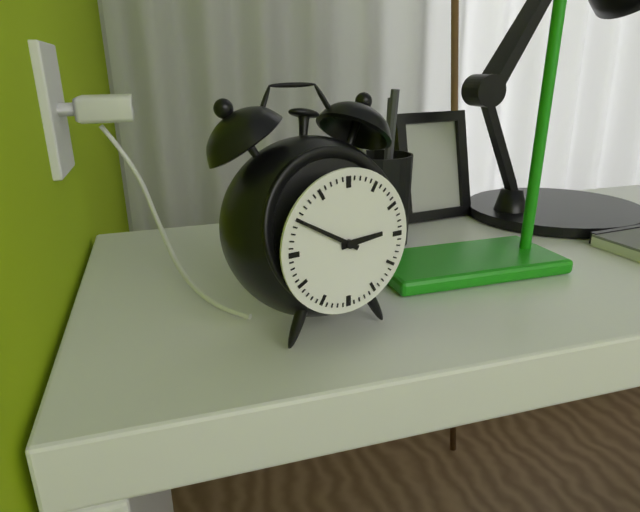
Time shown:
{"hour": 2, "minute": 50}
